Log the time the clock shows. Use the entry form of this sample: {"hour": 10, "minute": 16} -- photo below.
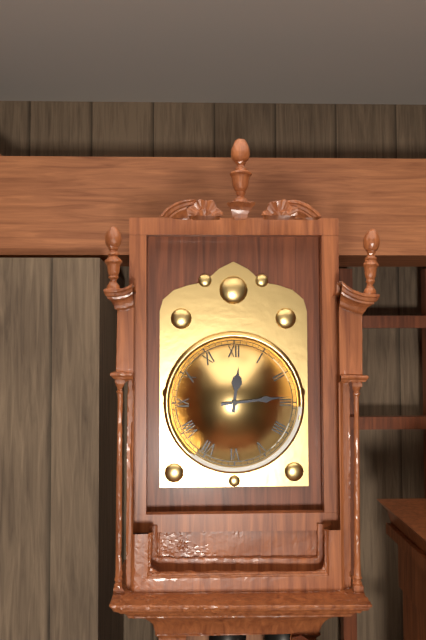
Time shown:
{"hour": 12, "minute": 14}
